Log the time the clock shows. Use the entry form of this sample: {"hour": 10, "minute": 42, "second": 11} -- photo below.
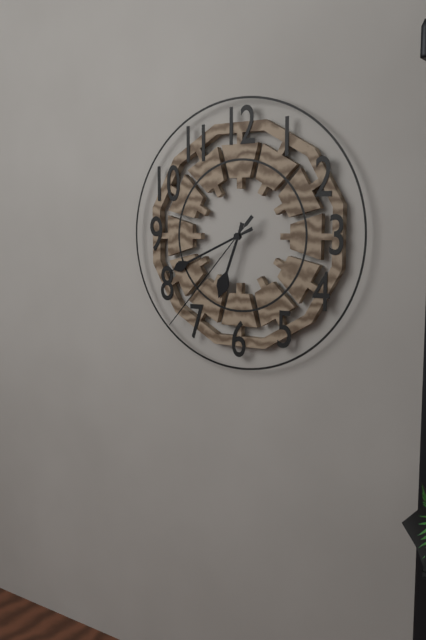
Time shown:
{"hour": 6, "minute": 41, "second": 37}
